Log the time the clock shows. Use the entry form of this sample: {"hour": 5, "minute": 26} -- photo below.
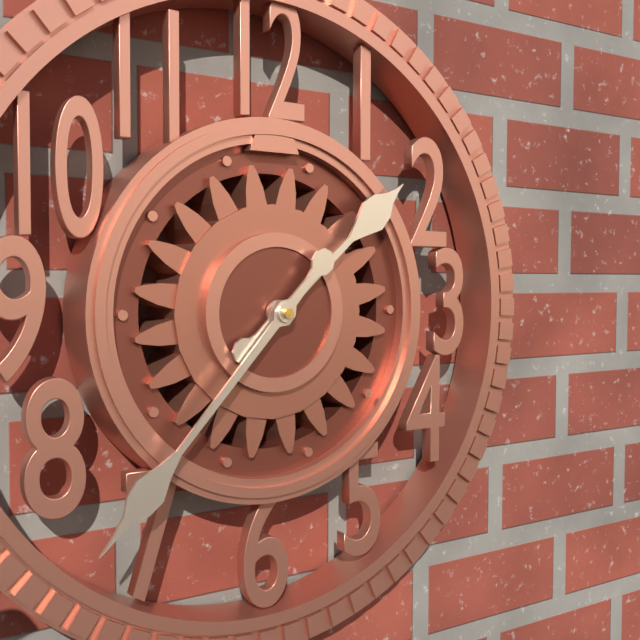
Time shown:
{"hour": 1, "minute": 37}
